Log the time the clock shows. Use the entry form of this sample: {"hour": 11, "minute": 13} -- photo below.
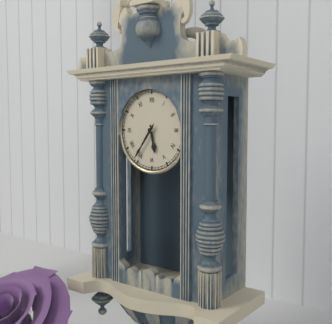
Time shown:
{"hour": 5, "minute": 36}
